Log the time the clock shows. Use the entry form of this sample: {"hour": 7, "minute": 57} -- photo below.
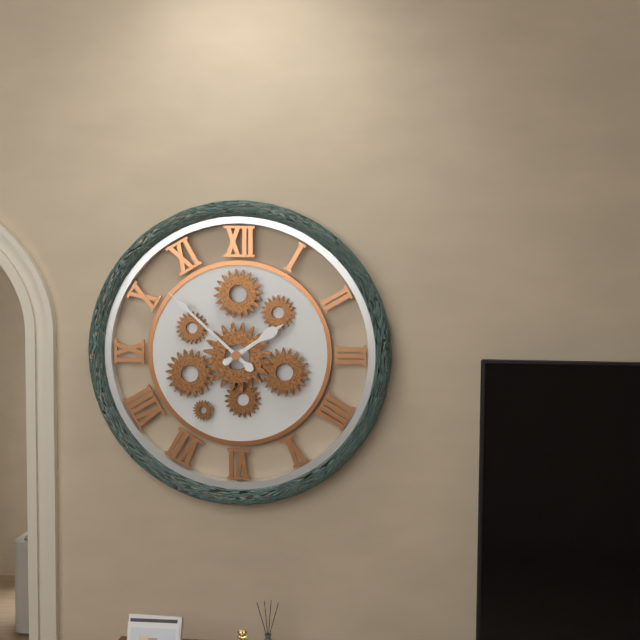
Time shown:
{"hour": 1, "minute": 52}
